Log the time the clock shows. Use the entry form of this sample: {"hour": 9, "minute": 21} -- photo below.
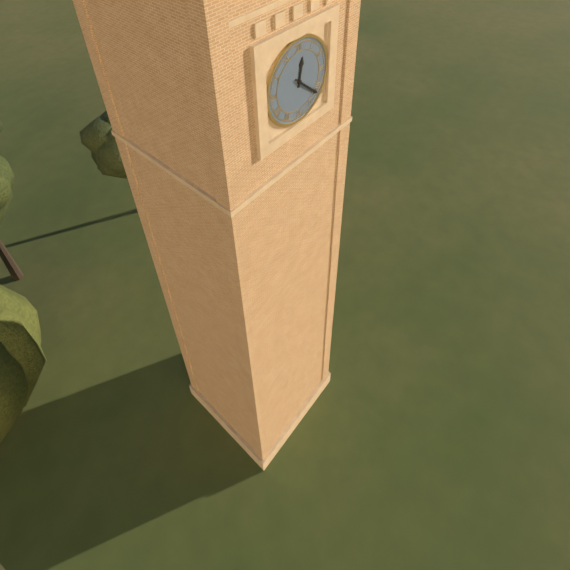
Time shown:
{"hour": 12, "minute": 22}
